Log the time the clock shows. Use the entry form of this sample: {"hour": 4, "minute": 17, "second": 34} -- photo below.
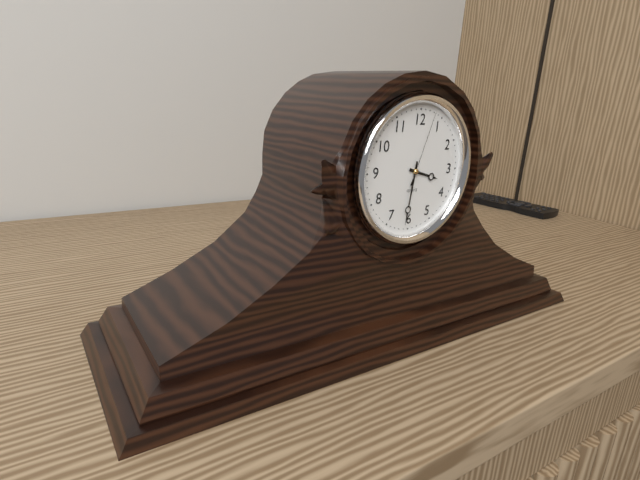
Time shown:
{"hour": 3, "minute": 31, "second": 3}
